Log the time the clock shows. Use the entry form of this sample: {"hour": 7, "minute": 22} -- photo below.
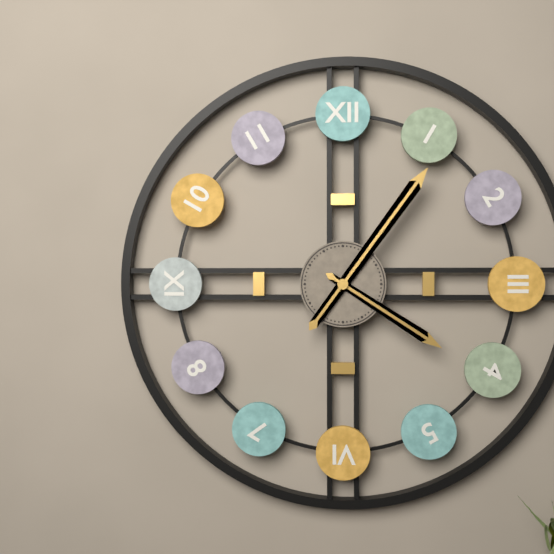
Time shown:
{"hour": 4, "minute": 6}
